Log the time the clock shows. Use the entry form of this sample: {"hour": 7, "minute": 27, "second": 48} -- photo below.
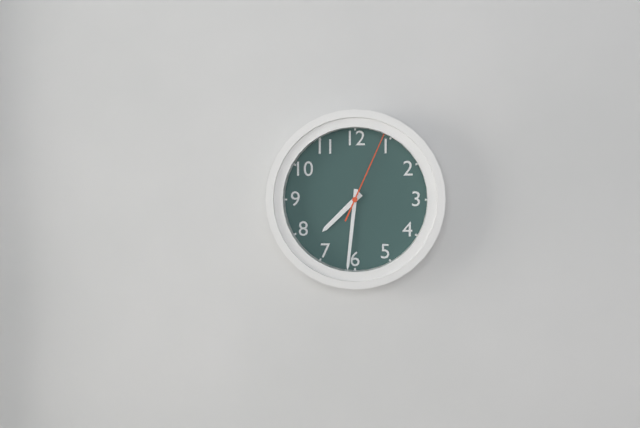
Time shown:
{"hour": 7, "minute": 31, "second": 4}
